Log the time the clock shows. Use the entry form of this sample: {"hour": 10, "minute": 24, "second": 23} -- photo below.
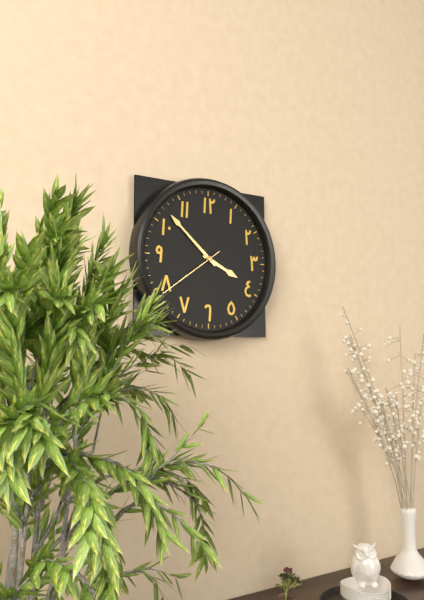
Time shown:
{"hour": 3, "minute": 52, "second": 39}
